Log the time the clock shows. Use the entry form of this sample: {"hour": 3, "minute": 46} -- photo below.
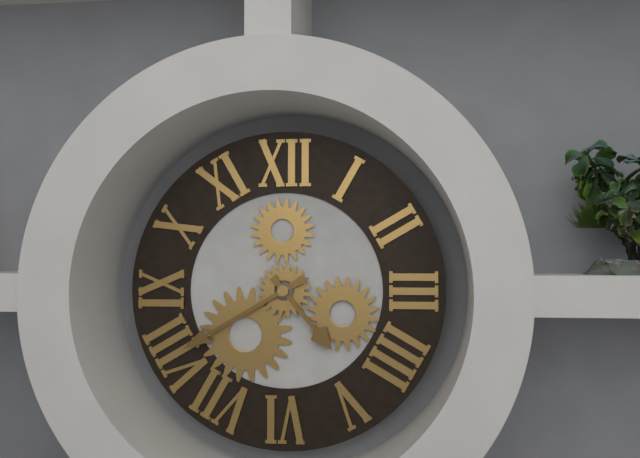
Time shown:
{"hour": 4, "minute": 40}
